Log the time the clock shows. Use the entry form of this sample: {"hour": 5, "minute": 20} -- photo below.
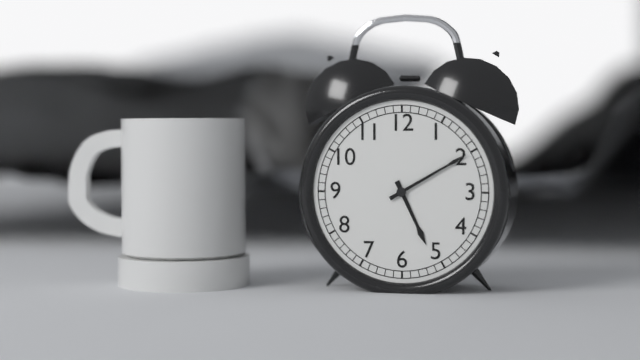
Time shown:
{"hour": 5, "minute": 10}
